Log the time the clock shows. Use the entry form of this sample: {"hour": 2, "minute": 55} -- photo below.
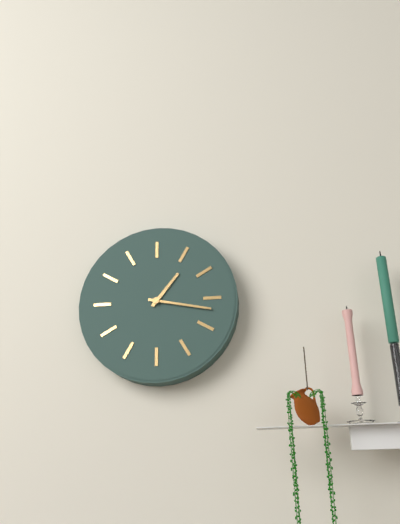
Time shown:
{"hour": 1, "minute": 17}
